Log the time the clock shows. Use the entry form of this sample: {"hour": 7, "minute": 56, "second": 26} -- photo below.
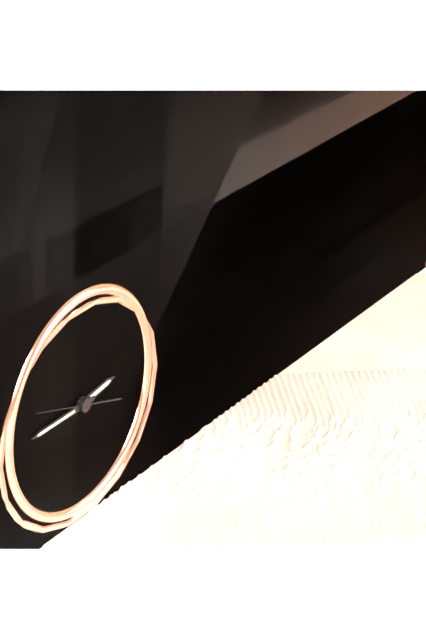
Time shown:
{"hour": 2, "minute": 45, "second": 48}
